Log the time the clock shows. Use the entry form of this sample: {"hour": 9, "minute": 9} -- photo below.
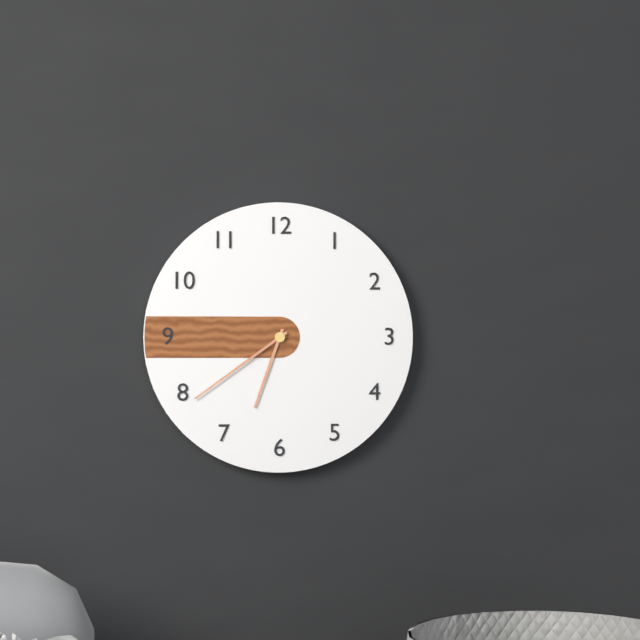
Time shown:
{"hour": 6, "minute": 39}
